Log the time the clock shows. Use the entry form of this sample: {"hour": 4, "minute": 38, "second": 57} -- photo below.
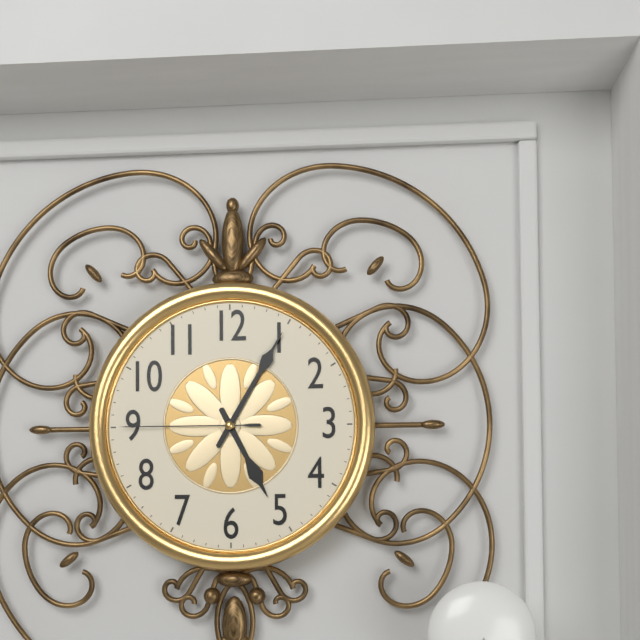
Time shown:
{"hour": 5, "minute": 5, "second": 45}
